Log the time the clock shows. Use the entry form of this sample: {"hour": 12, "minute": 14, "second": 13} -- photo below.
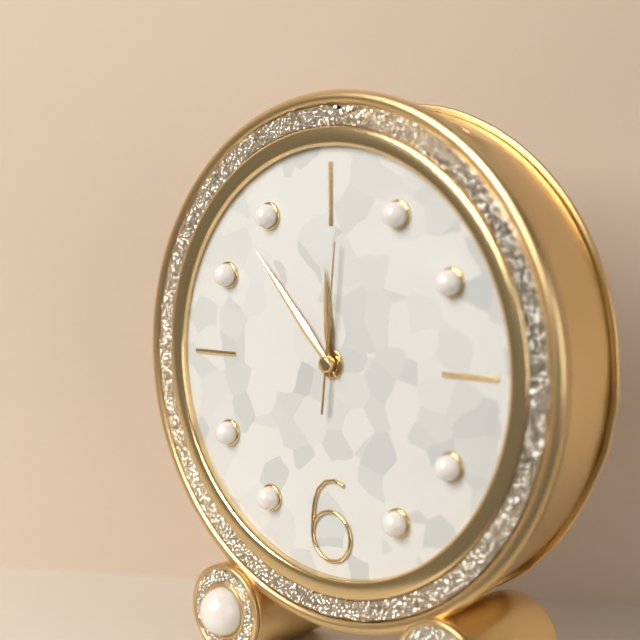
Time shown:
{"hour": 11, "minute": 53, "second": 1}
